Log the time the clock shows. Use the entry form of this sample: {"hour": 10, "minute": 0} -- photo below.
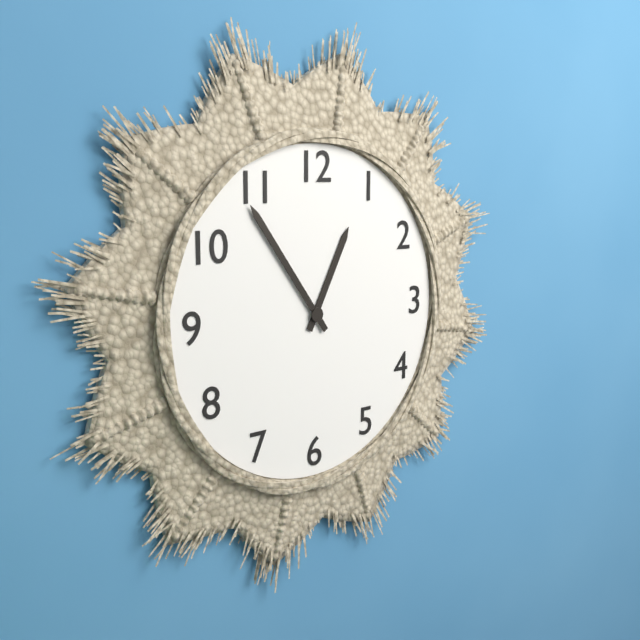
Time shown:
{"hour": 12, "minute": 54}
